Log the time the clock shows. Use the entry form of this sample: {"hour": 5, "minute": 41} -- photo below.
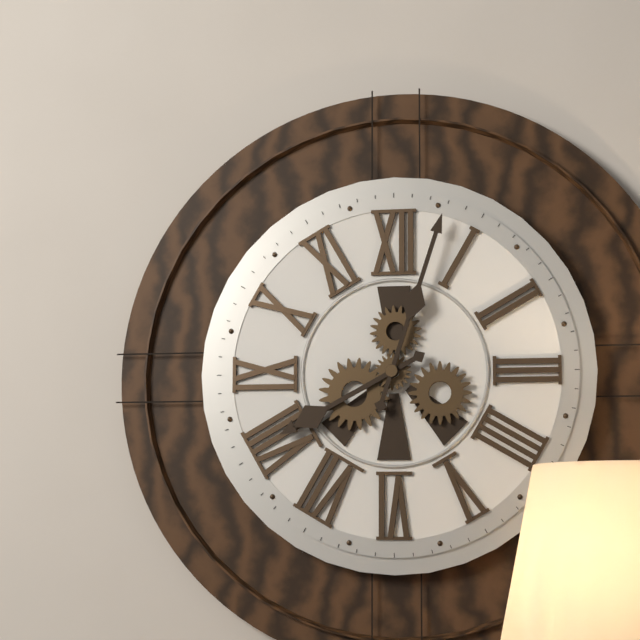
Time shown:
{"hour": 8, "minute": 3}
